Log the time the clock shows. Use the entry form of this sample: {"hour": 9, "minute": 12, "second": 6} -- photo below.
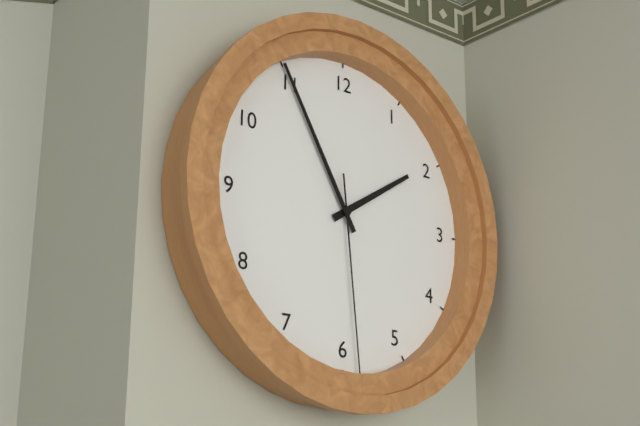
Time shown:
{"hour": 1, "minute": 55, "second": 29}
